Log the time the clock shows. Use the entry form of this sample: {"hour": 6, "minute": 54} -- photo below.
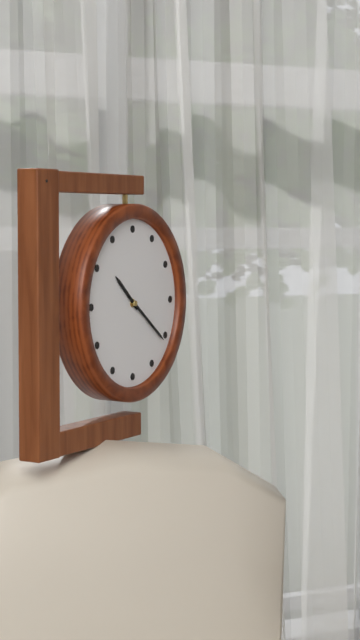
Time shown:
{"hour": 10, "minute": 21}
